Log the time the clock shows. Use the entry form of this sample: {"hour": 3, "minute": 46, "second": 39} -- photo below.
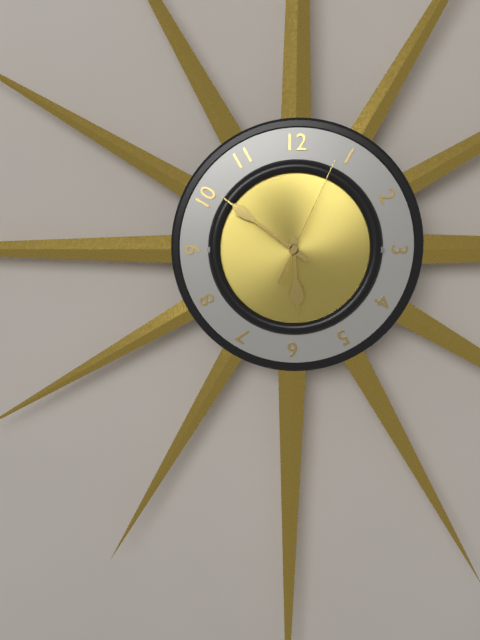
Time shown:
{"hour": 5, "minute": 51, "second": 4}
